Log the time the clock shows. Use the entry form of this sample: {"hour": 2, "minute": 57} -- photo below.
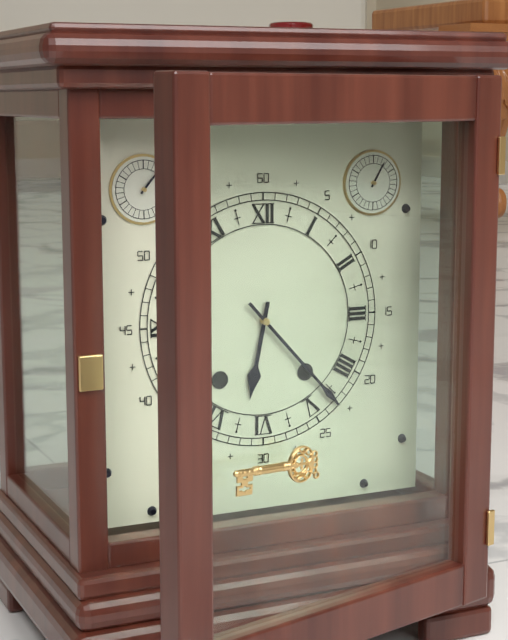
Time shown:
{"hour": 6, "minute": 23}
